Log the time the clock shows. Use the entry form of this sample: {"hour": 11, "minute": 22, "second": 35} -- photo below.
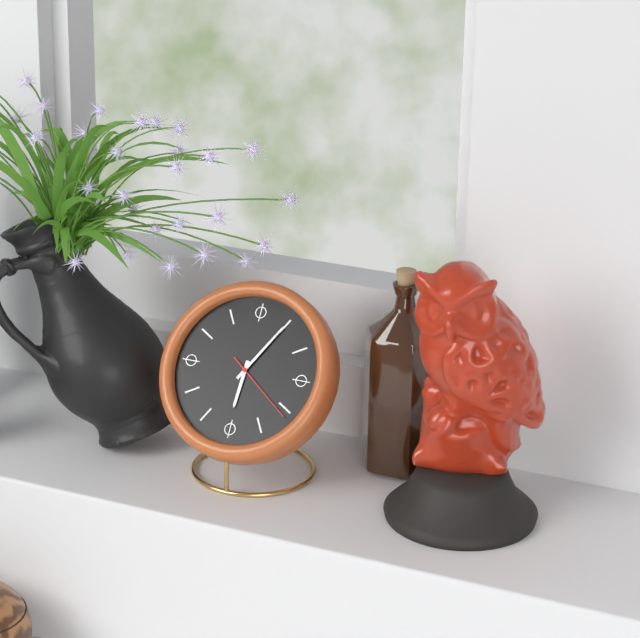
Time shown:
{"hour": 6, "minute": 5, "second": 21}
